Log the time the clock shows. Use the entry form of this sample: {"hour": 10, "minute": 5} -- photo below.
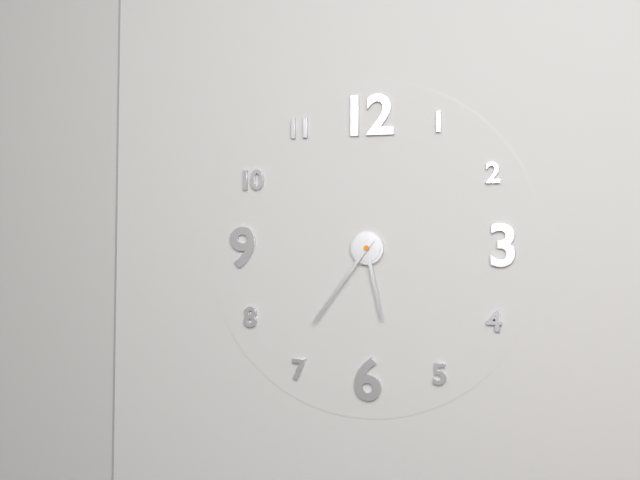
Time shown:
{"hour": 5, "minute": 36}
